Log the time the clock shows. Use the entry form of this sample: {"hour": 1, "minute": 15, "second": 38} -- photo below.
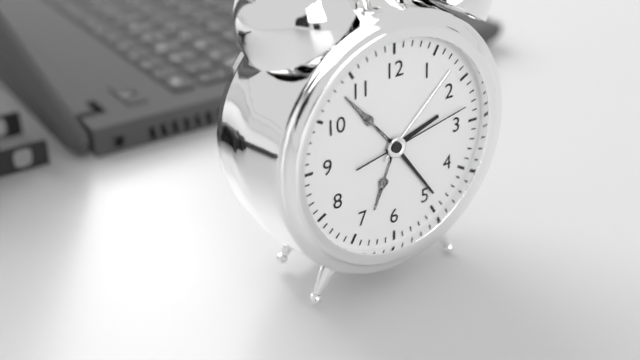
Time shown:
{"hour": 2, "minute": 24, "second": 13}
